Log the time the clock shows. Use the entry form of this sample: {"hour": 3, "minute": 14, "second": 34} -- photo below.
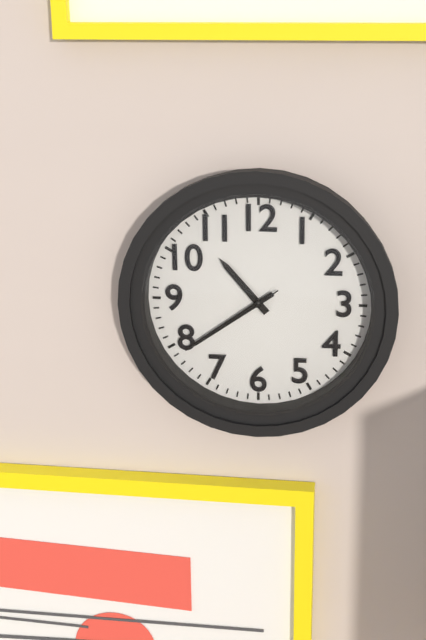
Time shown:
{"hour": 10, "minute": 39, "second": 39}
